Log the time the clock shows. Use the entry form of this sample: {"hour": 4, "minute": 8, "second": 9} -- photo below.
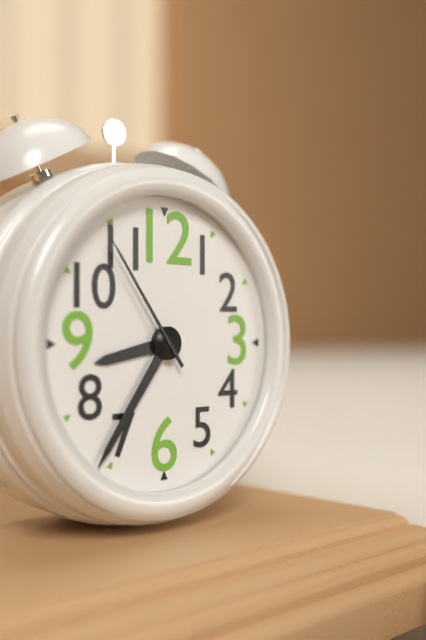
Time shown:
{"hour": 8, "minute": 36, "second": 54}
